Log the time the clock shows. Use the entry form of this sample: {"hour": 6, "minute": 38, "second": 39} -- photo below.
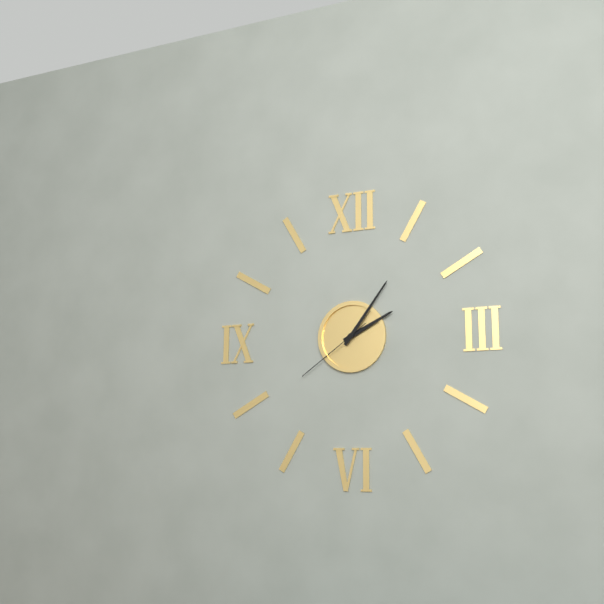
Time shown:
{"hour": 2, "minute": 6, "second": 39}
